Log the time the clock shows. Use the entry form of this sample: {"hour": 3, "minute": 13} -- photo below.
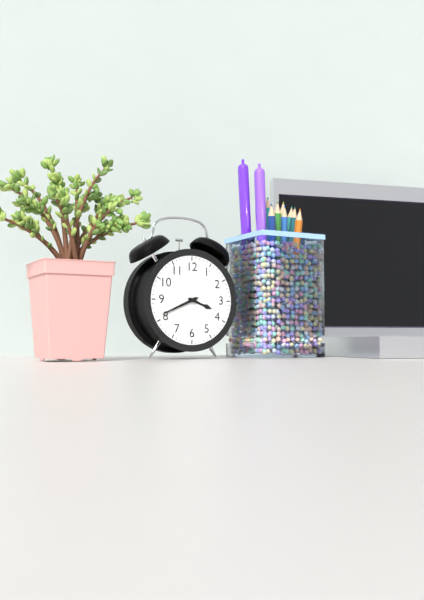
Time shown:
{"hour": 3, "minute": 41}
